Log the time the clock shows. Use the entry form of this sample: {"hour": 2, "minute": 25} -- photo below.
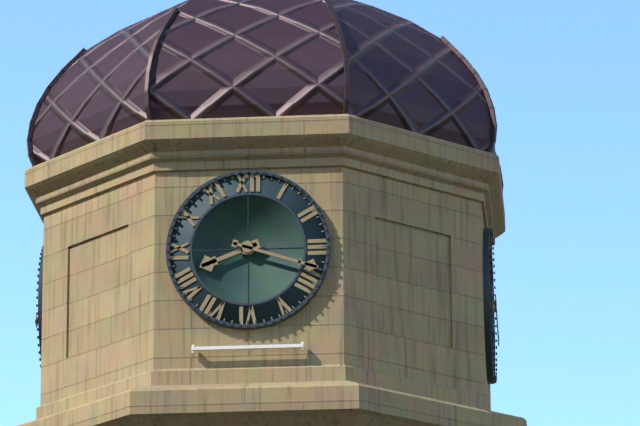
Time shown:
{"hour": 8, "minute": 18}
